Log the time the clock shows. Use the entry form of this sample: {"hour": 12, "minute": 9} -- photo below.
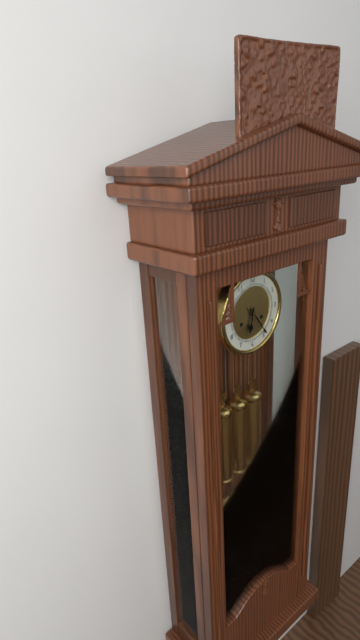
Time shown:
{"hour": 6, "minute": 24}
